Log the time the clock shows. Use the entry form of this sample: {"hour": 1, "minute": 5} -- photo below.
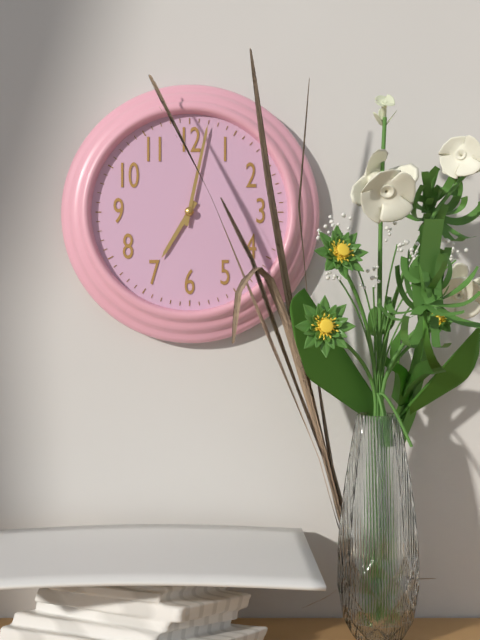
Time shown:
{"hour": 7, "minute": 2}
